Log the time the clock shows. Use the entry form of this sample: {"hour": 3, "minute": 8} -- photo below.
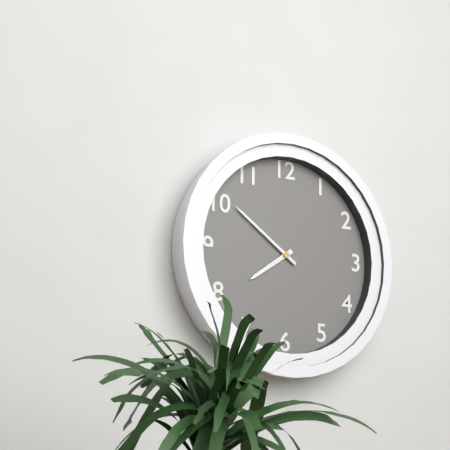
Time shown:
{"hour": 7, "minute": 51}
